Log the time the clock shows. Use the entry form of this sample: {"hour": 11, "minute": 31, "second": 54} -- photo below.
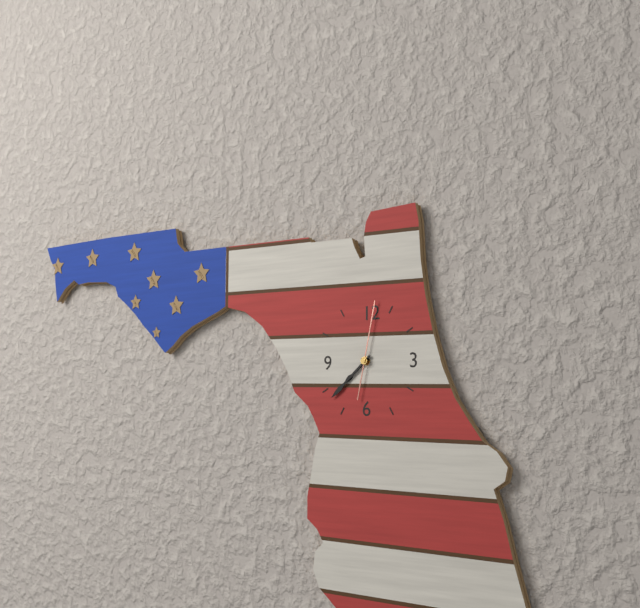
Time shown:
{"hour": 7, "minute": 38, "second": 2}
